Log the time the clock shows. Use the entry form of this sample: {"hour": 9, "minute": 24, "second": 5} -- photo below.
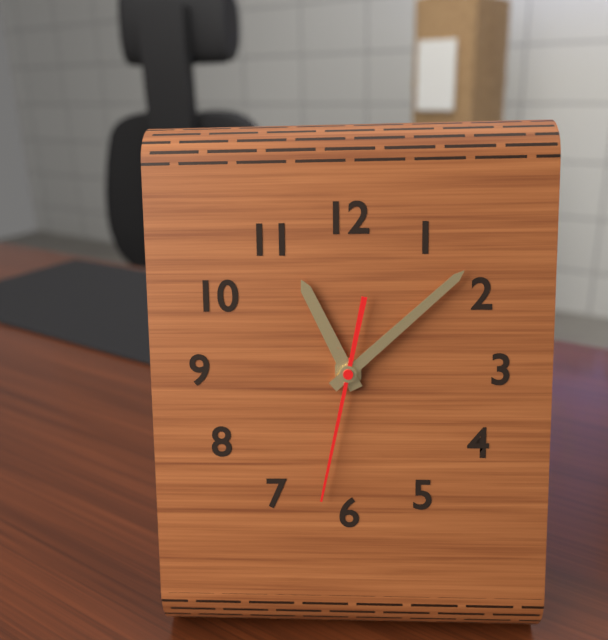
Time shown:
{"hour": 11, "minute": 8, "second": 32}
